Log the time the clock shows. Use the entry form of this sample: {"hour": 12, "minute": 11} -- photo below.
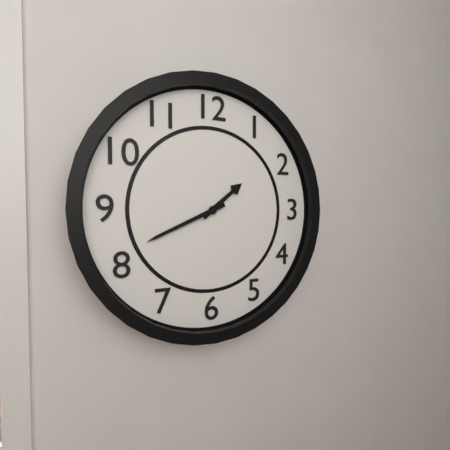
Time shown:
{"hour": 1, "minute": 41}
